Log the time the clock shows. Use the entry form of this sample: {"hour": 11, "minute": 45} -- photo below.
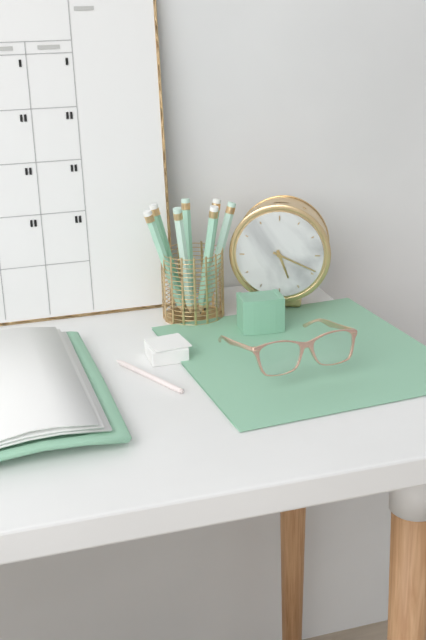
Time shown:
{"hour": 5, "minute": 19}
